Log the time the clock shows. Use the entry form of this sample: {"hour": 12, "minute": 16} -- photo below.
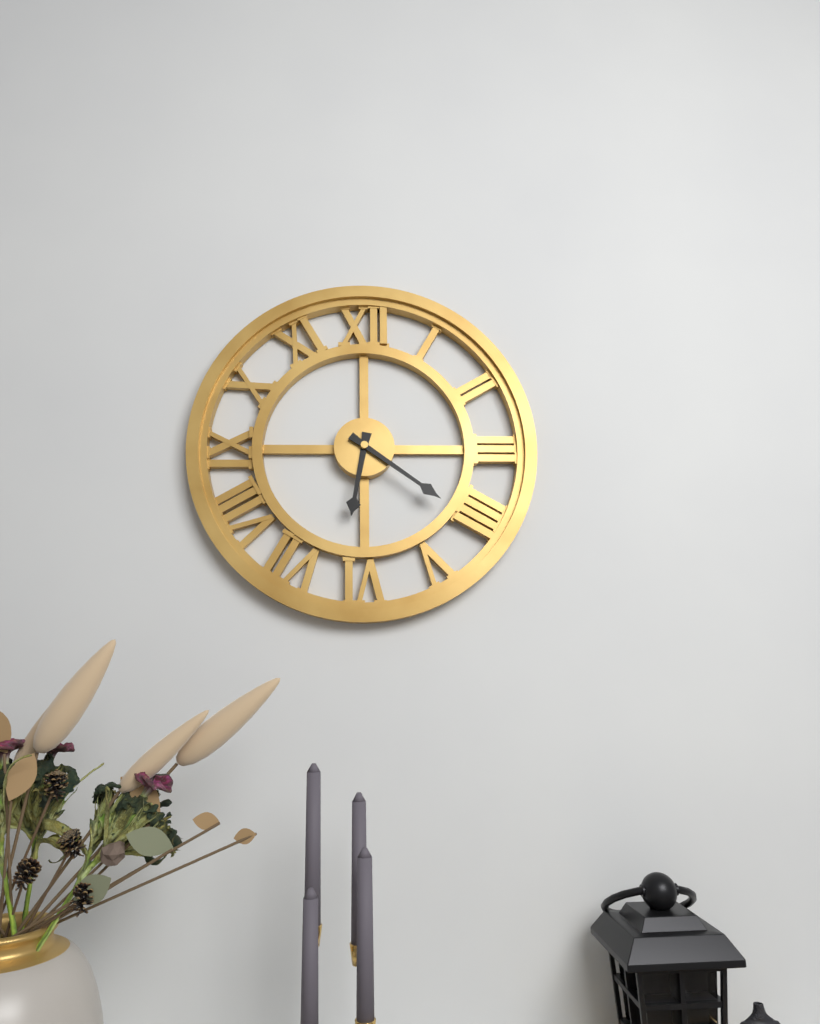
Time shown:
{"hour": 6, "minute": 21}
